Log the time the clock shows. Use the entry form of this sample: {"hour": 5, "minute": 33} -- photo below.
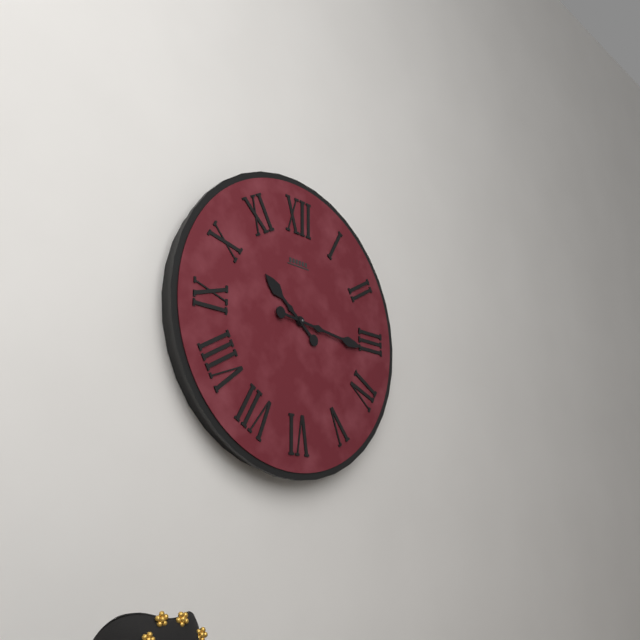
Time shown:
{"hour": 10, "minute": 16}
